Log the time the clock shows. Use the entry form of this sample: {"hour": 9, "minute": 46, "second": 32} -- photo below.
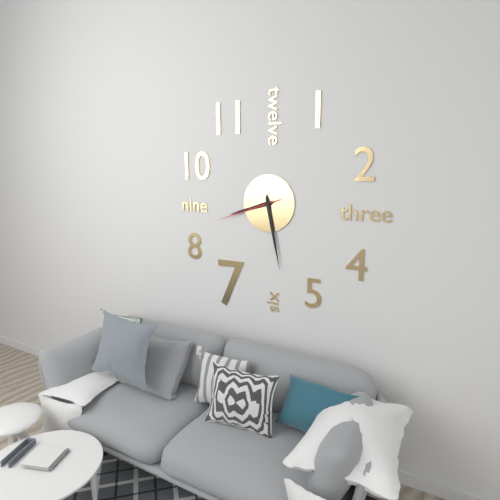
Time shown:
{"hour": 8, "minute": 28, "second": 42}
